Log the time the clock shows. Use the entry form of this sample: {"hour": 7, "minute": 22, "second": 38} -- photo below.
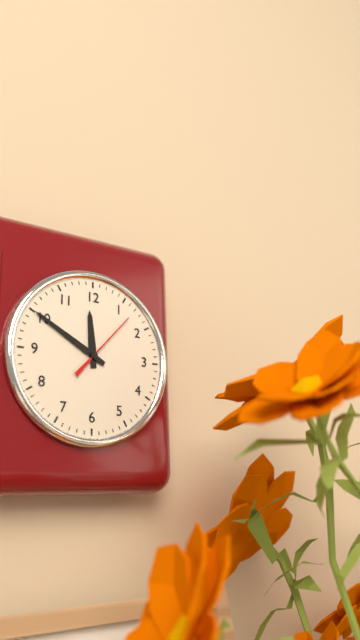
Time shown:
{"hour": 11, "minute": 50, "second": 7}
